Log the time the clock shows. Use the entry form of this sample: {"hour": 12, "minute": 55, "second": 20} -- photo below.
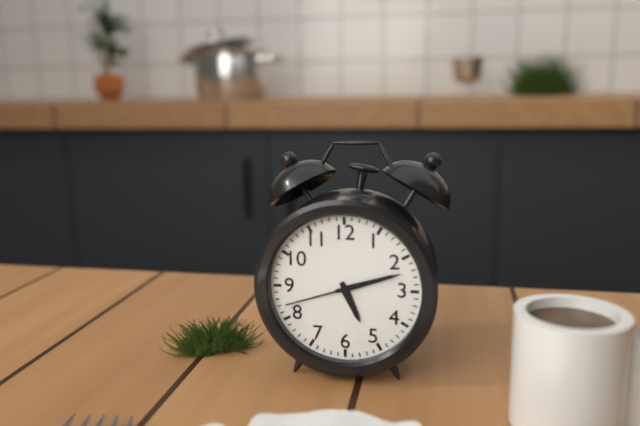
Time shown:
{"hour": 5, "minute": 12, "second": 42}
